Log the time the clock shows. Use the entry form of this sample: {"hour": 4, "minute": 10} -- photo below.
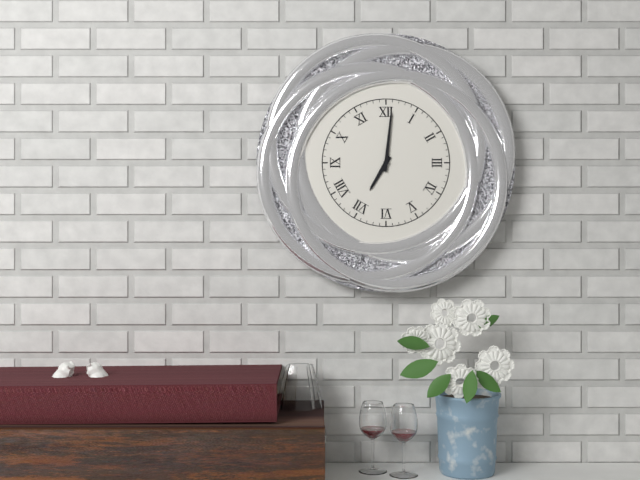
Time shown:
{"hour": 7, "minute": 1}
